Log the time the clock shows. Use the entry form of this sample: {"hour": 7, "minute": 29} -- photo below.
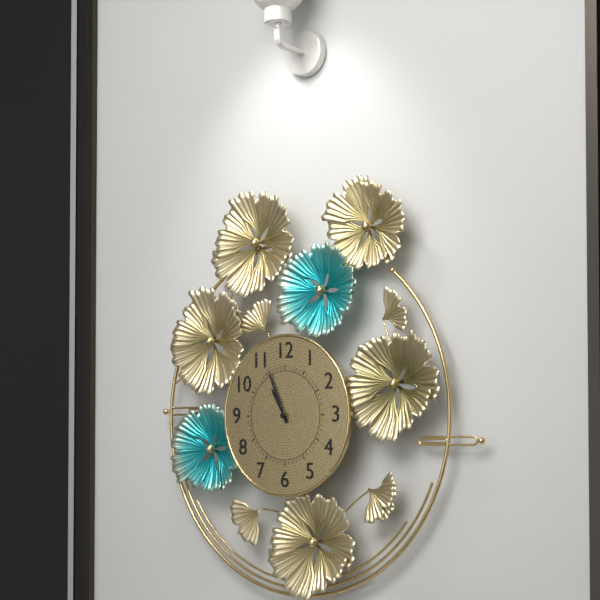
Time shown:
{"hour": 10, "minute": 56}
